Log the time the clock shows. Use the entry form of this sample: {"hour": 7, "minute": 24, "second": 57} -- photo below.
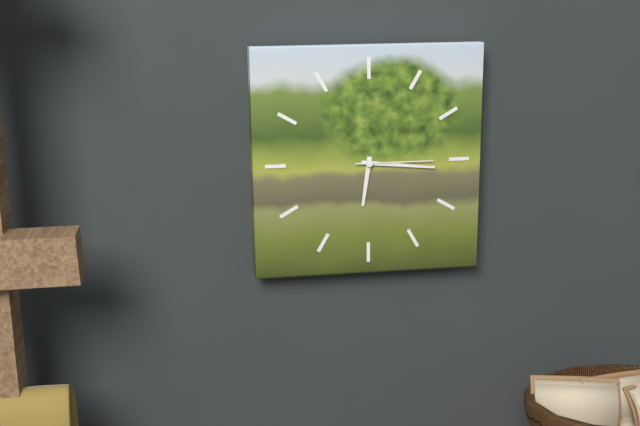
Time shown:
{"hour": 6, "minute": 16, "second": 15}
